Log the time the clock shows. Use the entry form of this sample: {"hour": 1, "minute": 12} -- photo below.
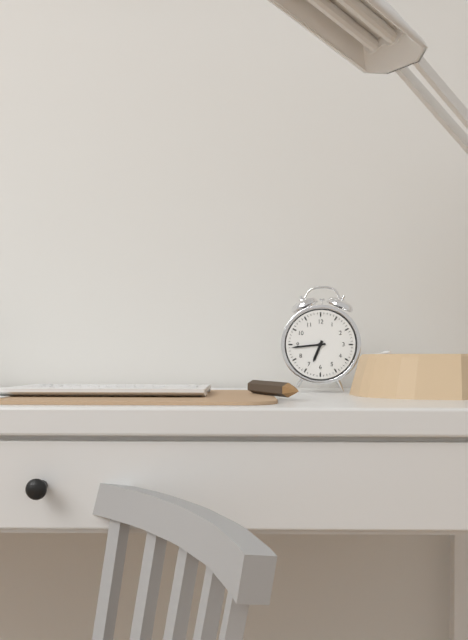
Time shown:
{"hour": 6, "minute": 44}
